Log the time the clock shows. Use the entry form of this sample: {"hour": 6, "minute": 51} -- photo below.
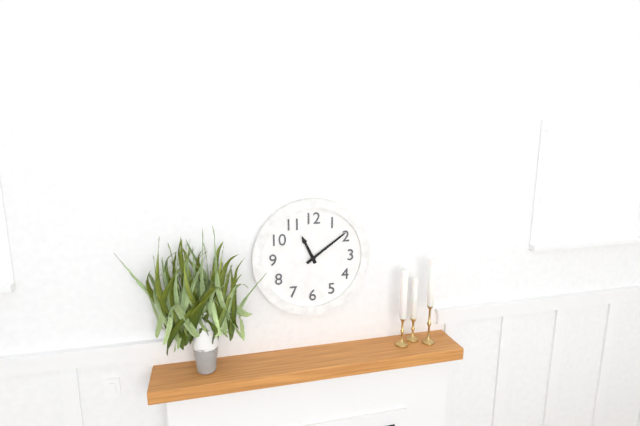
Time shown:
{"hour": 11, "minute": 9}
